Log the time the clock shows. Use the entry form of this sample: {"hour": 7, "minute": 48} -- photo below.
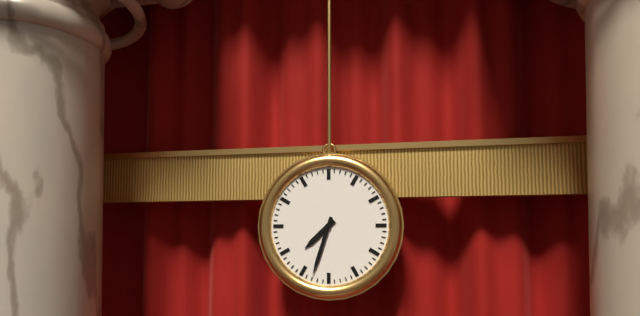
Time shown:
{"hour": 7, "minute": 33}
